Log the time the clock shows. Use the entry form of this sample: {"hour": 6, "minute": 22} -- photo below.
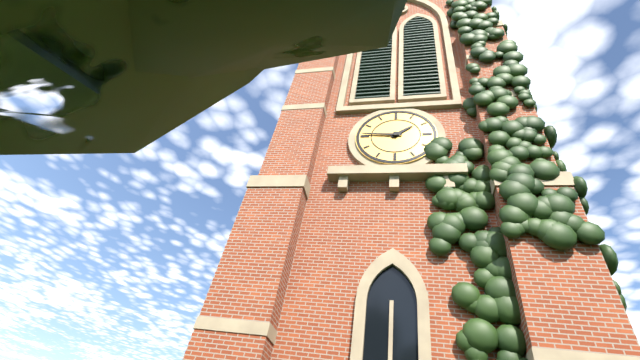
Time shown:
{"hour": 1, "minute": 46}
